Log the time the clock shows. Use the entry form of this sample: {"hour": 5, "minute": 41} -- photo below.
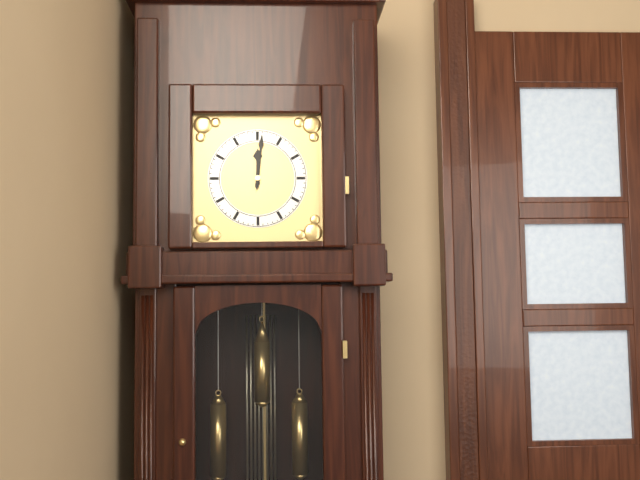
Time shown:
{"hour": 12, "minute": 1}
